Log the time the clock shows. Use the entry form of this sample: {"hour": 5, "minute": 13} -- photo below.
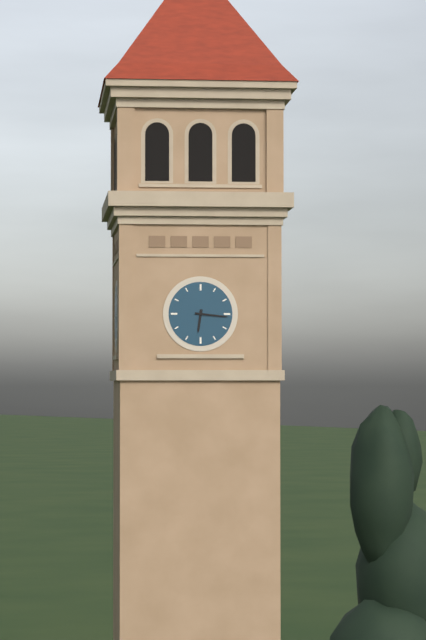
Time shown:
{"hour": 6, "minute": 16}
